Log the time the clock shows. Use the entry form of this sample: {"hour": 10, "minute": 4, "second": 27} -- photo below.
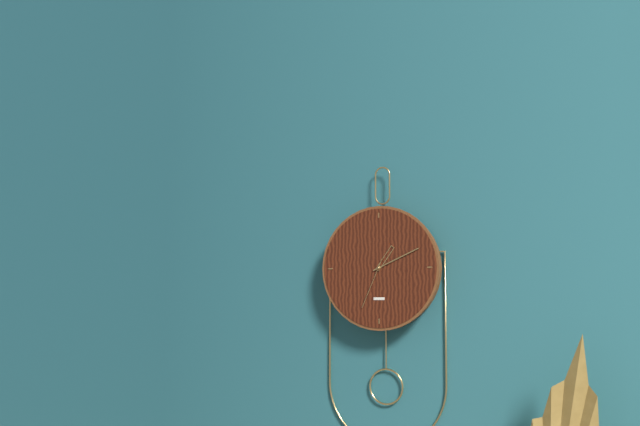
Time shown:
{"hour": 1, "minute": 11, "second": 34}
